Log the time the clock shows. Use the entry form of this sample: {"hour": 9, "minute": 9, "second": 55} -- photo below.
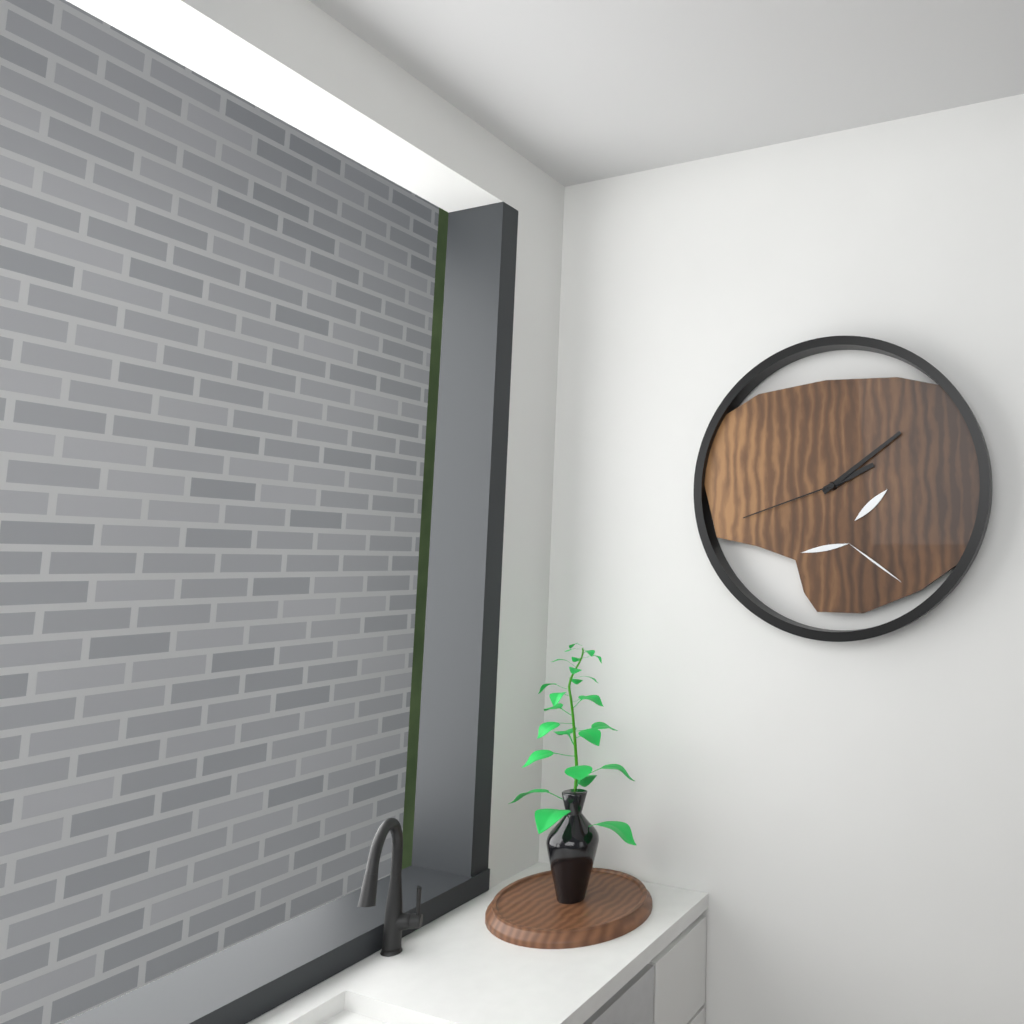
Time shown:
{"hour": 2, "minute": 9, "second": 42}
